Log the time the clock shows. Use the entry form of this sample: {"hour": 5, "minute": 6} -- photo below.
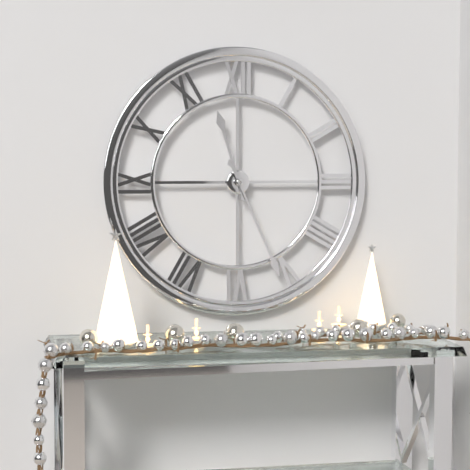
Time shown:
{"hour": 11, "minute": 26}
